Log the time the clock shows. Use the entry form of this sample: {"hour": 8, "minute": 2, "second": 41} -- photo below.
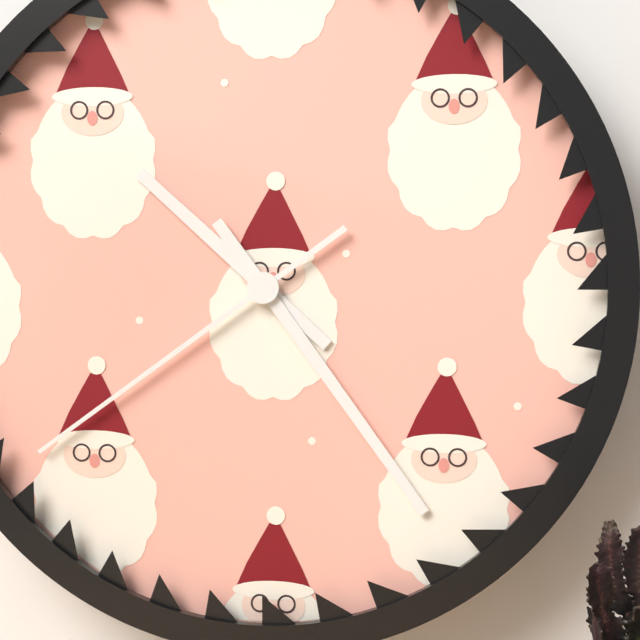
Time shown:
{"hour": 10, "minute": 24, "second": 39}
